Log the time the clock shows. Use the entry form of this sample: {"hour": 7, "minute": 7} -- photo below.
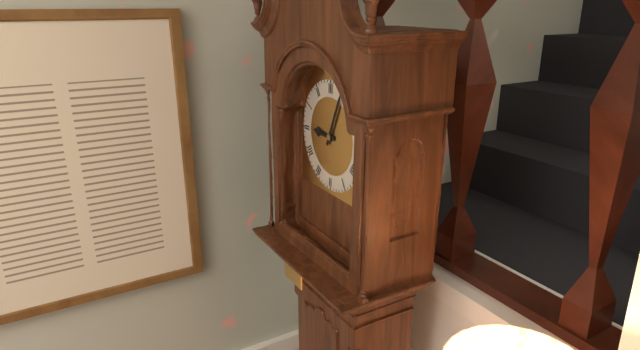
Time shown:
{"hour": 9, "minute": 4}
